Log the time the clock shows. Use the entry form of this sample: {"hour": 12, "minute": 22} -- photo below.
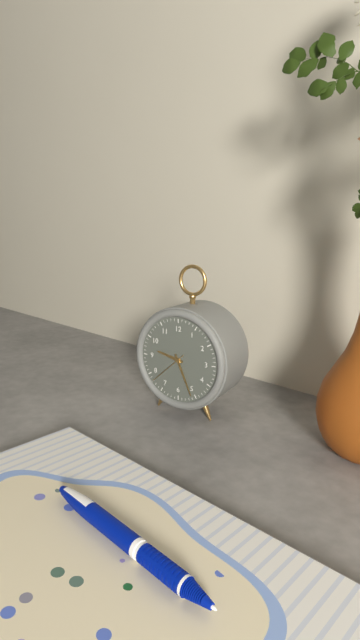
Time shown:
{"hour": 9, "minute": 26}
